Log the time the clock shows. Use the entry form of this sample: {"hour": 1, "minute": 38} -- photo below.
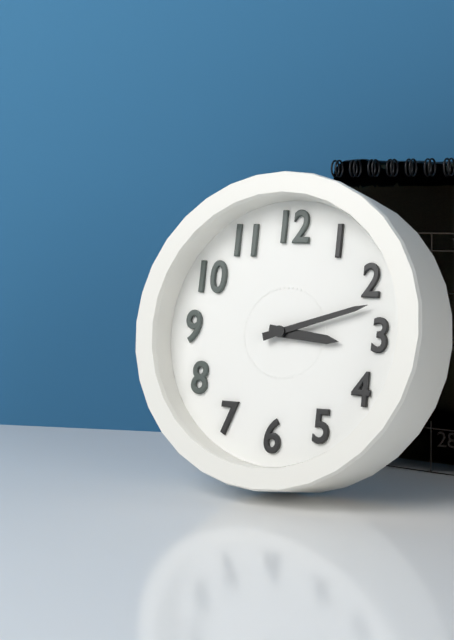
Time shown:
{"hour": 3, "minute": 12}
